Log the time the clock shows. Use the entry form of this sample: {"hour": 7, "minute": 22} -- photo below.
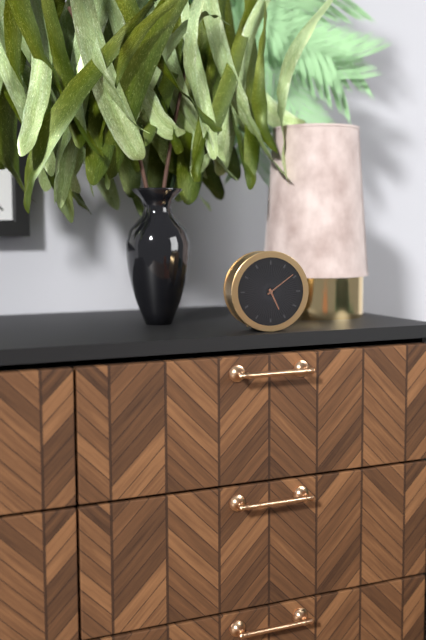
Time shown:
{"hour": 5, "minute": 9}
